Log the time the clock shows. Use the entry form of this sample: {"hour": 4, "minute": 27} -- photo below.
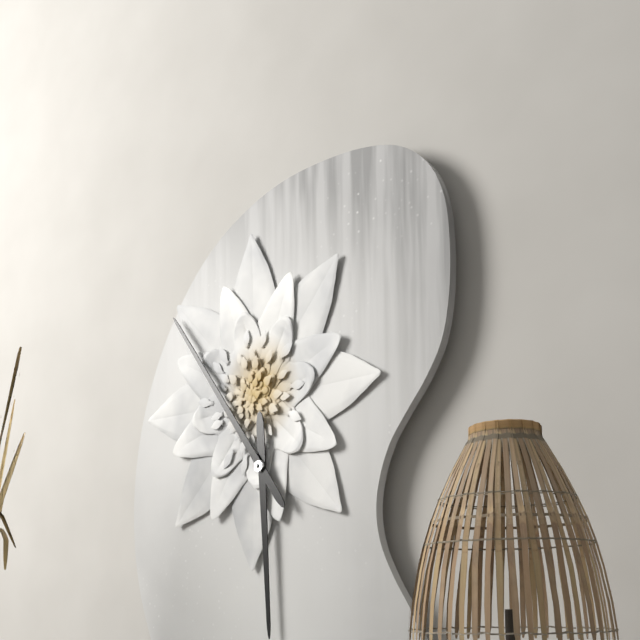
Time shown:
{"hour": 5, "minute": 54}
